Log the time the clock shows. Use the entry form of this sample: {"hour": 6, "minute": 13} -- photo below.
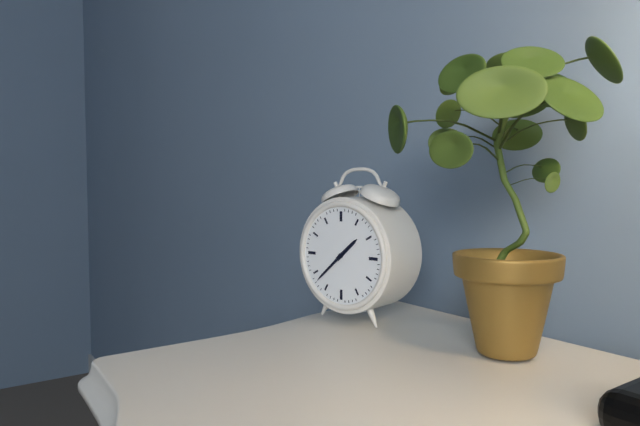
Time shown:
{"hour": 1, "minute": 38}
